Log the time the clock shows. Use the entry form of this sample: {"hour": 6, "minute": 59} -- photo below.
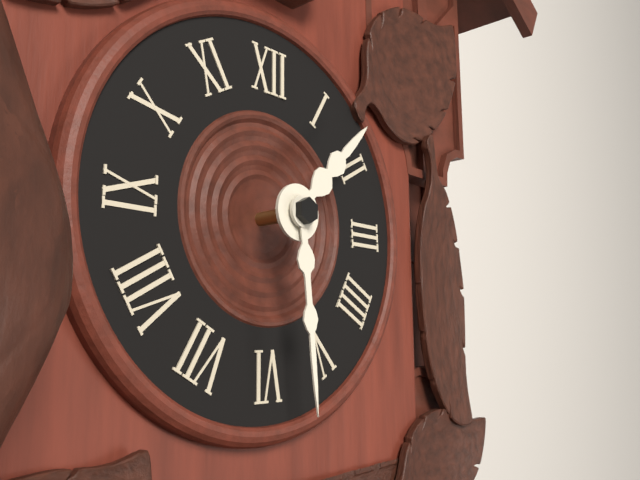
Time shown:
{"hour": 1, "minute": 29}
